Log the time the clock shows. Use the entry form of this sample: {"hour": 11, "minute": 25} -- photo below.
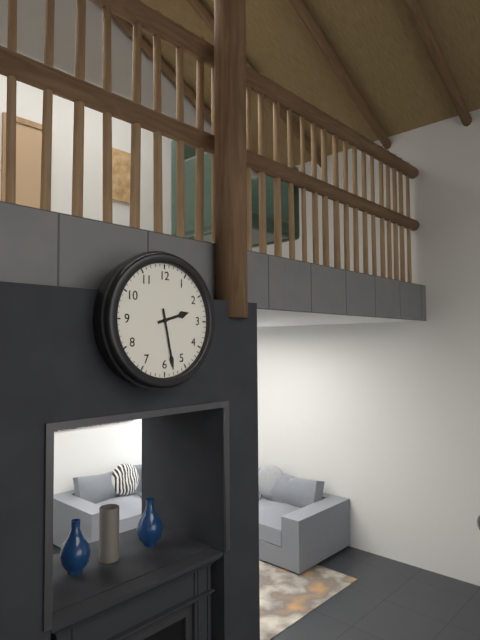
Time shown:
{"hour": 2, "minute": 28}
